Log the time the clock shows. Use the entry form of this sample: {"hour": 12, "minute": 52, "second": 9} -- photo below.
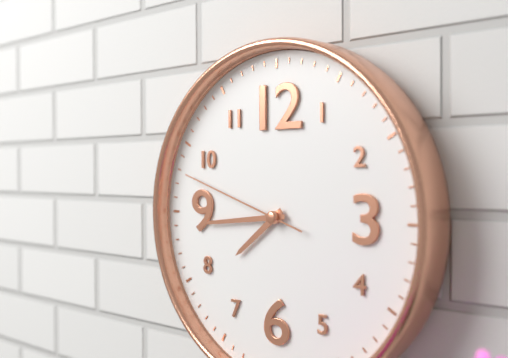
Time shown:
{"hour": 7, "minute": 44, "second": 48}
